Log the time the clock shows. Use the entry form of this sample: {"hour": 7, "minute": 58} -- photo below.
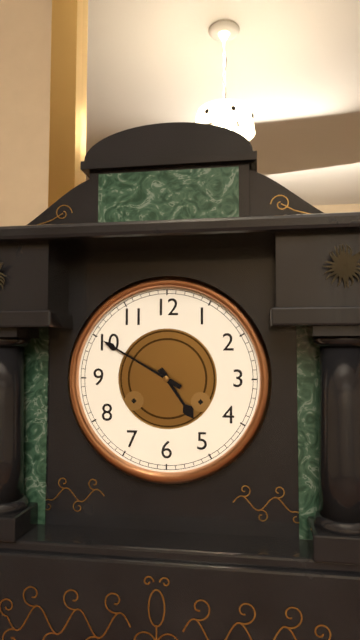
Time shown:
{"hour": 4, "minute": 50}
